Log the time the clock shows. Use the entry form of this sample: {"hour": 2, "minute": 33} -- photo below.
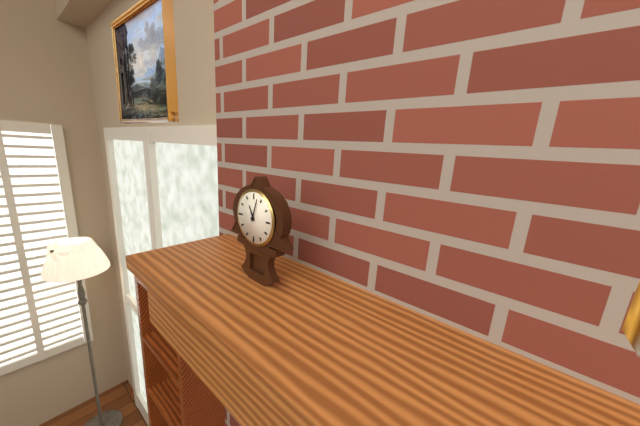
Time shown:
{"hour": 11, "minute": 3}
